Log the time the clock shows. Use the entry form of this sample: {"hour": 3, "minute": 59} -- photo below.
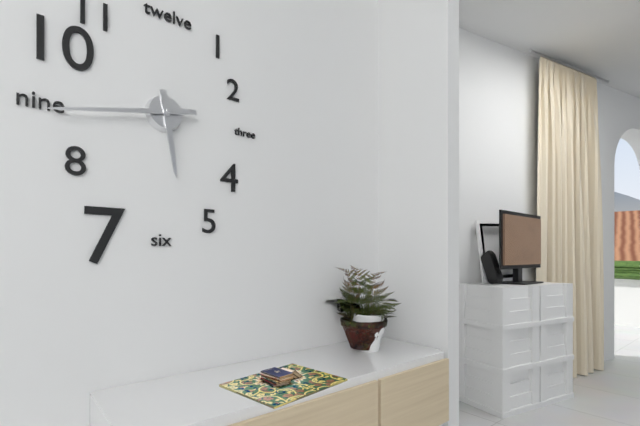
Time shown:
{"hour": 5, "minute": 43}
